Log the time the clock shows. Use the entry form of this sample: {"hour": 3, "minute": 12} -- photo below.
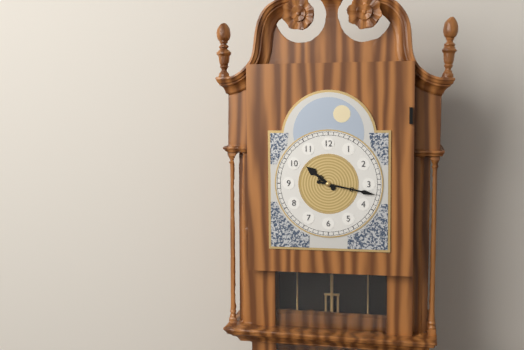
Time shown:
{"hour": 10, "minute": 17}
